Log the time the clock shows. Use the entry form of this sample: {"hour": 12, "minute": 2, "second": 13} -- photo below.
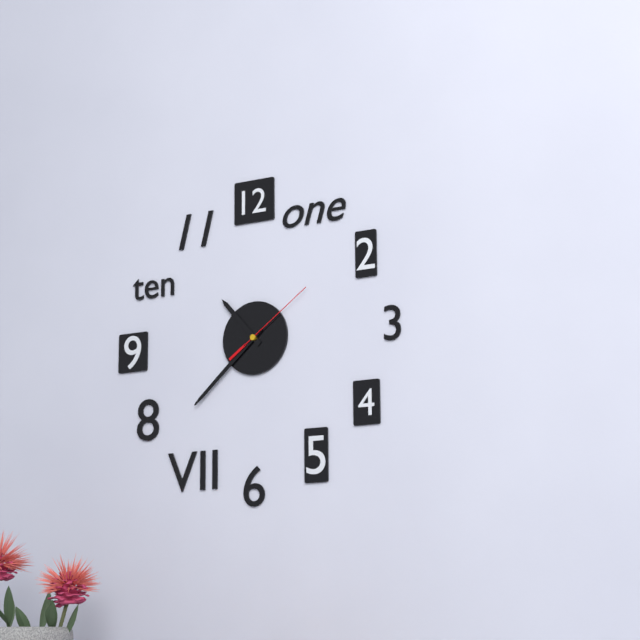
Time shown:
{"hour": 10, "minute": 38, "second": 9}
